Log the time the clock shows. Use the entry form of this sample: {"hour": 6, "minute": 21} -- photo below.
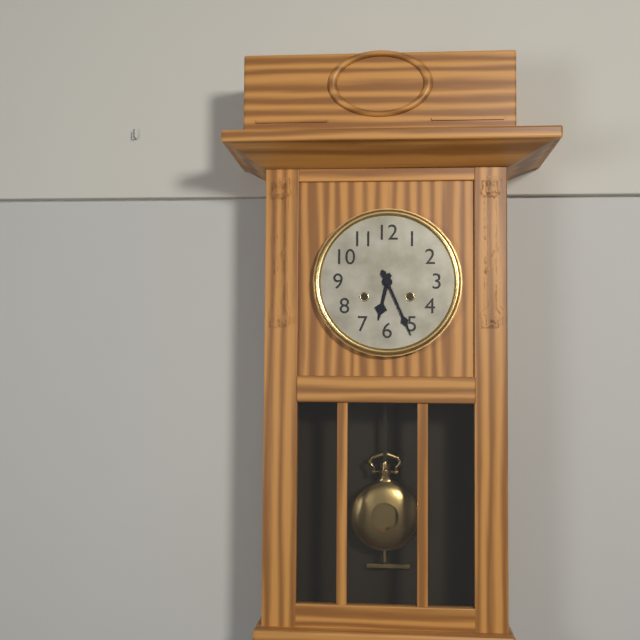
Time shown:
{"hour": 6, "minute": 26}
